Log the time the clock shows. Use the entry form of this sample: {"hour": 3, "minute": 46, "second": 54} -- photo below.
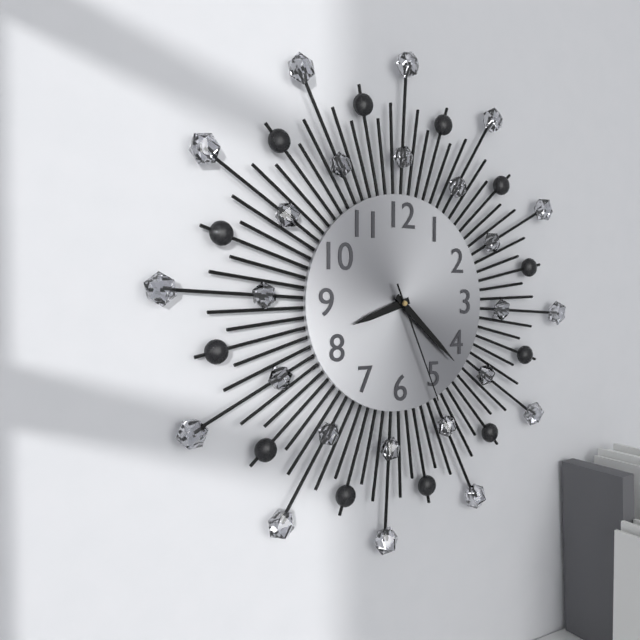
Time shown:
{"hour": 8, "minute": 22, "second": 26}
